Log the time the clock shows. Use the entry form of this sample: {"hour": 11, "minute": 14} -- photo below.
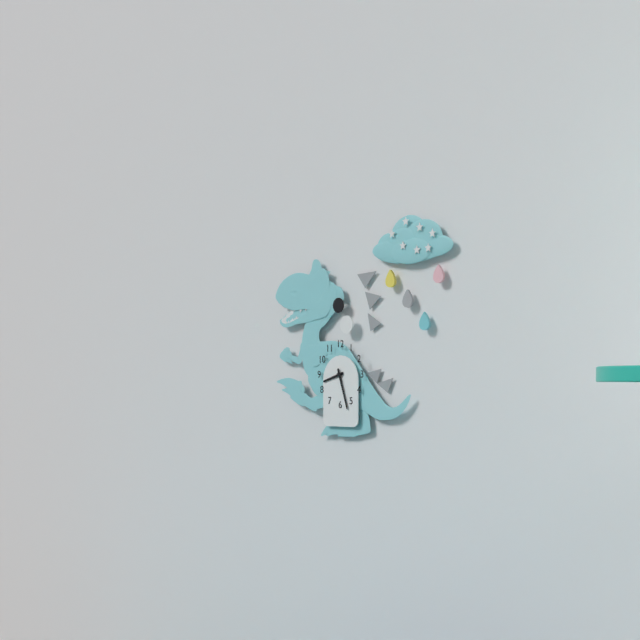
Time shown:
{"hour": 8, "minute": 27}
